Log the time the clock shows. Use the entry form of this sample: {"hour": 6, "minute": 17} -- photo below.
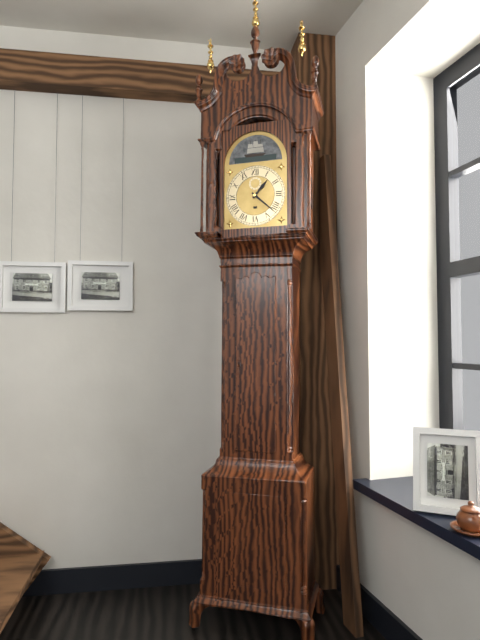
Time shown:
{"hour": 1, "minute": 22}
